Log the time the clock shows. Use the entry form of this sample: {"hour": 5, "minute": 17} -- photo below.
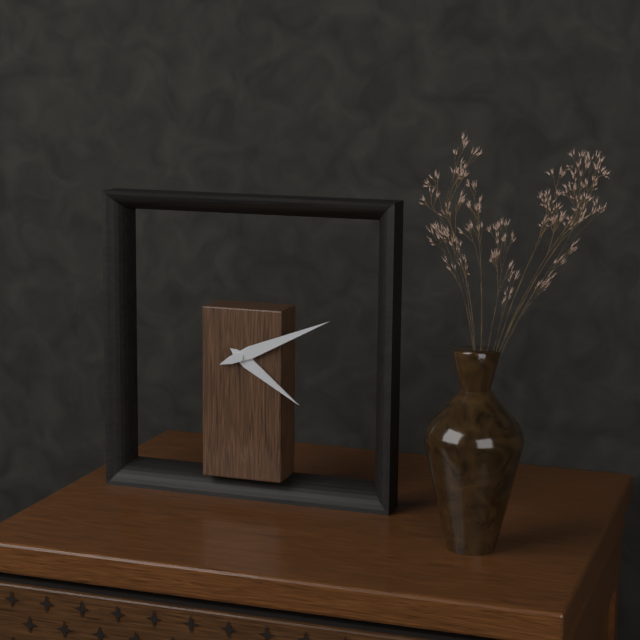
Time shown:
{"hour": 4, "minute": 11}
